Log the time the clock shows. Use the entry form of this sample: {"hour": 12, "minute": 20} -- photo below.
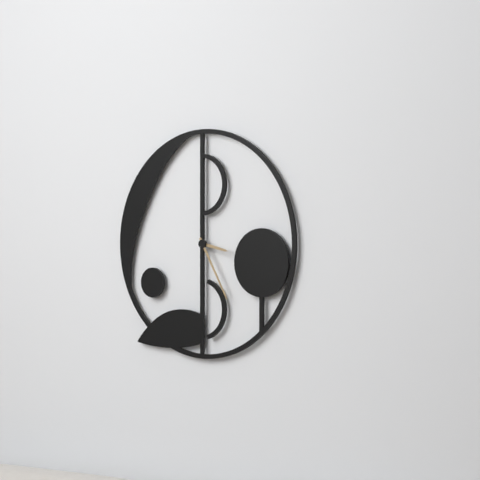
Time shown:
{"hour": 3, "minute": 25}
